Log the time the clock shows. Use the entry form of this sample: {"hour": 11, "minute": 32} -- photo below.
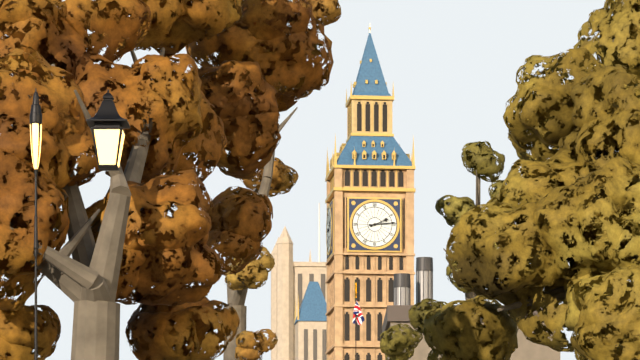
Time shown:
{"hour": 2, "minute": 14}
